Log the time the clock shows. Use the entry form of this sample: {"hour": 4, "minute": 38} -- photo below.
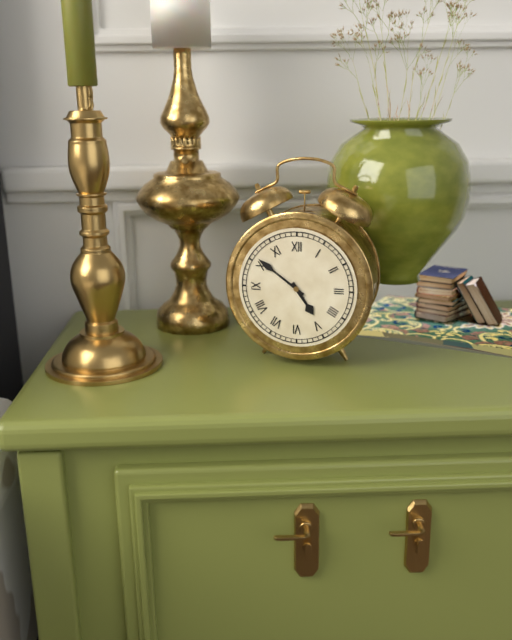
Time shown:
{"hour": 4, "minute": 51}
